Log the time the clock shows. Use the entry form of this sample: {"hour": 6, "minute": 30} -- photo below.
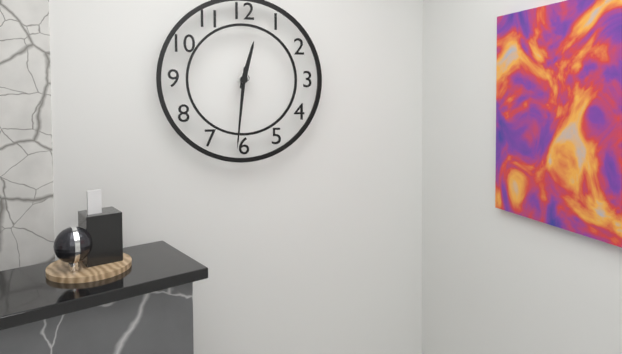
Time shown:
{"hour": 12, "minute": 31}
